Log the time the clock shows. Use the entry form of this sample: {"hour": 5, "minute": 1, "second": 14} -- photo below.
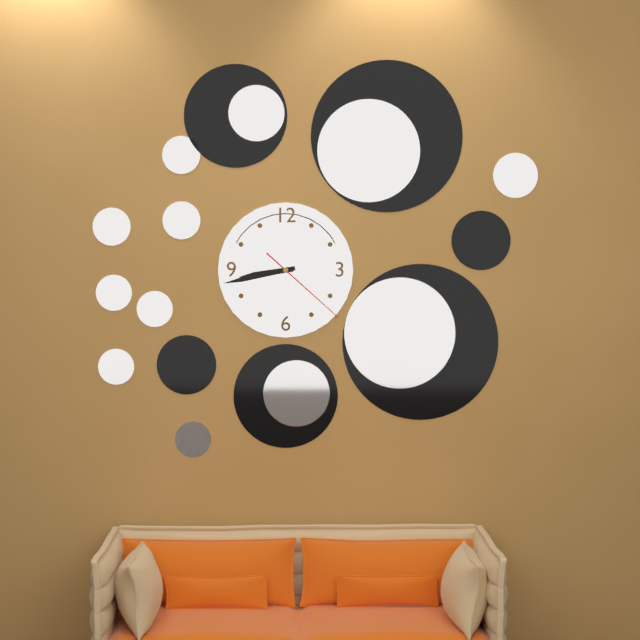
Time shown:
{"hour": 8, "minute": 43, "second": 22}
